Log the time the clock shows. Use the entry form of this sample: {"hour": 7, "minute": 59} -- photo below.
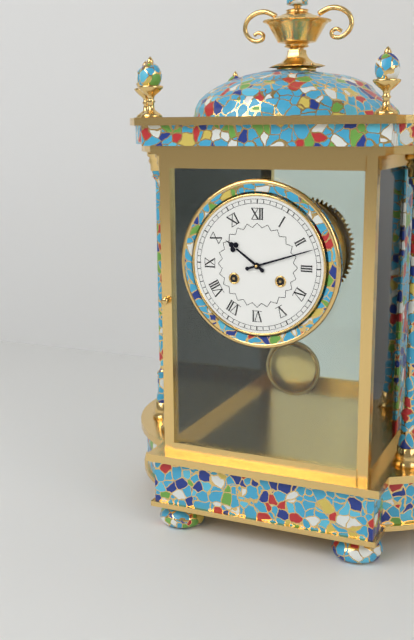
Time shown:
{"hour": 10, "minute": 12}
